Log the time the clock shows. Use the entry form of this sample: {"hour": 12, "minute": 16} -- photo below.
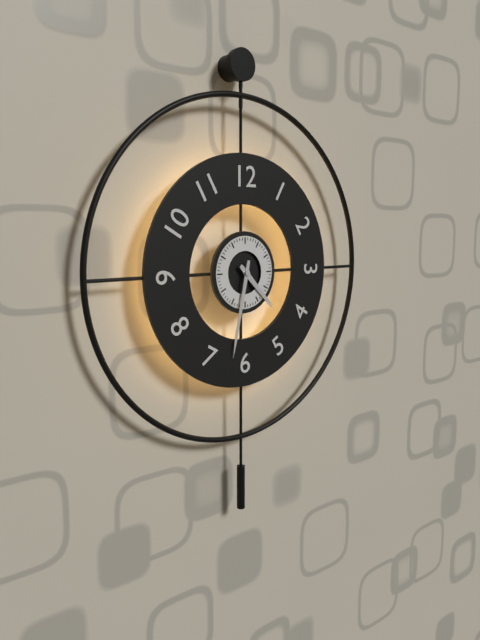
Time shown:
{"hour": 4, "minute": 32}
